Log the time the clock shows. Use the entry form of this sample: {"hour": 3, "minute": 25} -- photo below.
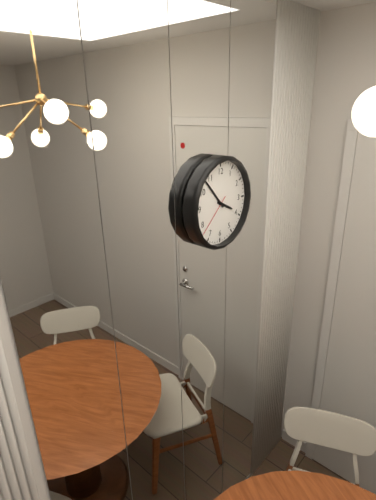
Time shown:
{"hour": 3, "minute": 53}
